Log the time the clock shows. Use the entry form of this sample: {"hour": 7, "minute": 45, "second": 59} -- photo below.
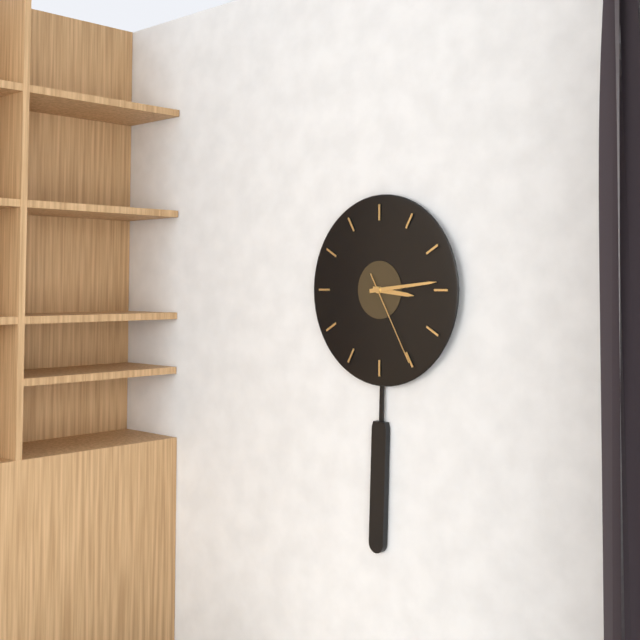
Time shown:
{"hour": 3, "minute": 14, "second": 25}
